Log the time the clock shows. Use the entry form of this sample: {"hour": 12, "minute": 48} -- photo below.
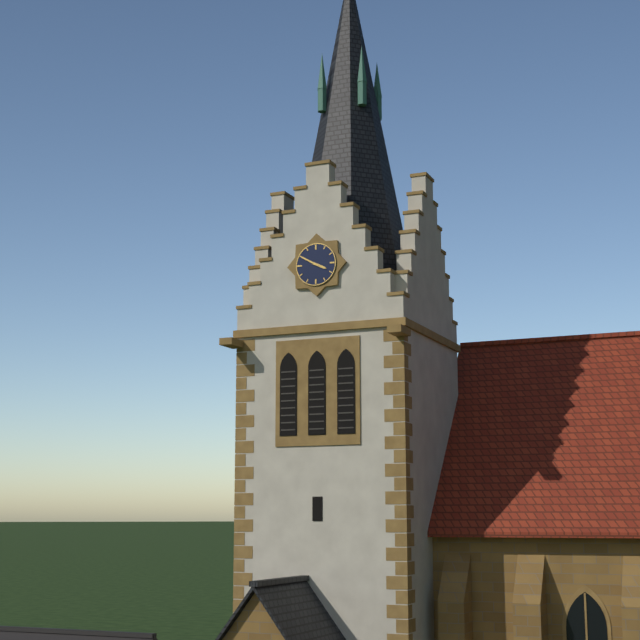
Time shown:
{"hour": 3, "minute": 50}
